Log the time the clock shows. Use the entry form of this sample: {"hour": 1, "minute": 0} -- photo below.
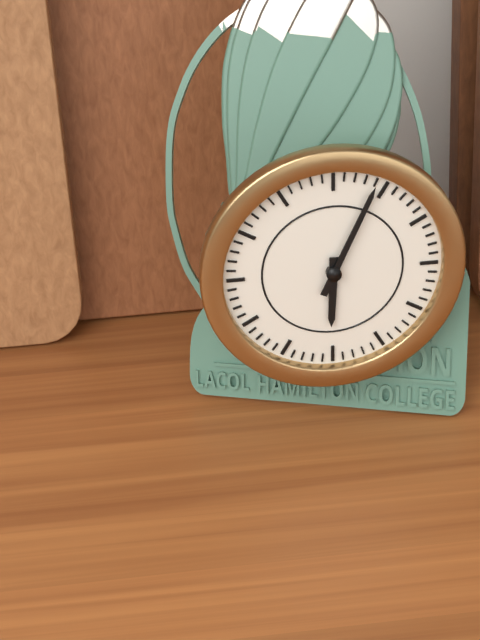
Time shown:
{"hour": 6, "minute": 4}
